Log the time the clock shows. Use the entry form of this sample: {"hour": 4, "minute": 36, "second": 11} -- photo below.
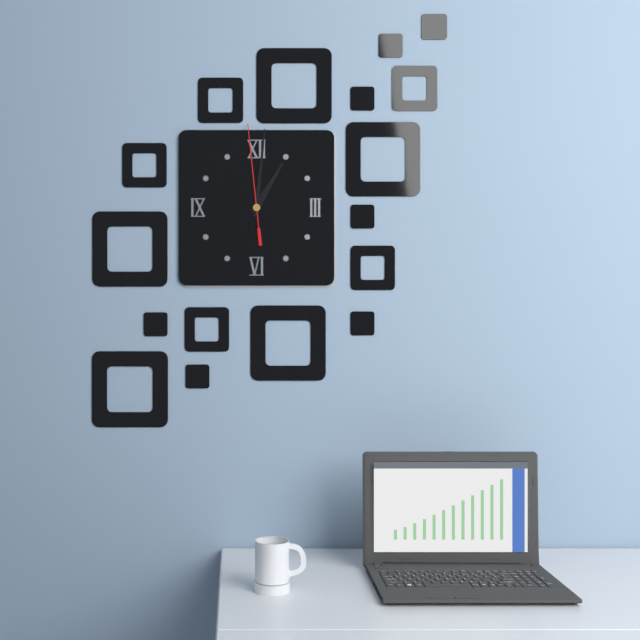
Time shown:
{"hour": 1, "minute": 1, "second": 59}
